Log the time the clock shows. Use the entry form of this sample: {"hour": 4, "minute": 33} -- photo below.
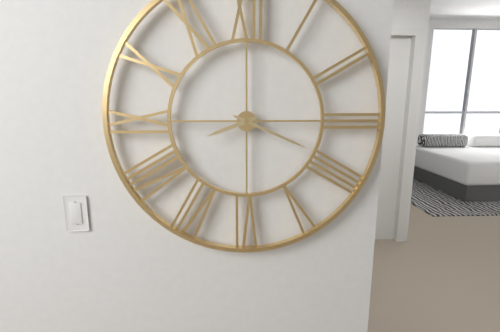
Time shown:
{"hour": 8, "minute": 19}
